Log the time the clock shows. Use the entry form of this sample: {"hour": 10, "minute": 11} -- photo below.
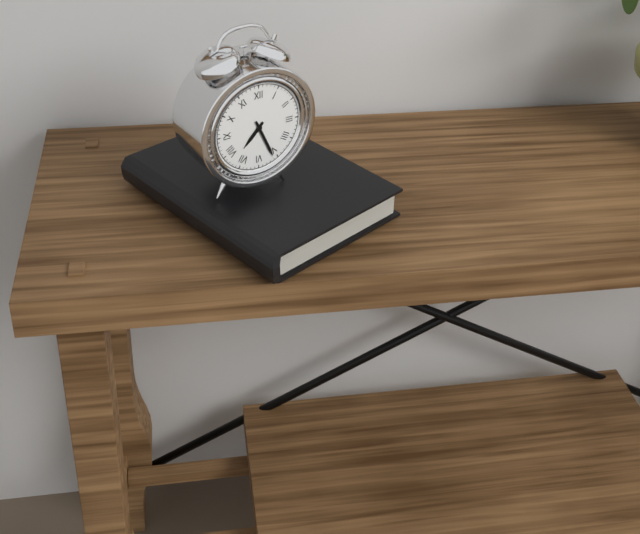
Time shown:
{"hour": 7, "minute": 26}
